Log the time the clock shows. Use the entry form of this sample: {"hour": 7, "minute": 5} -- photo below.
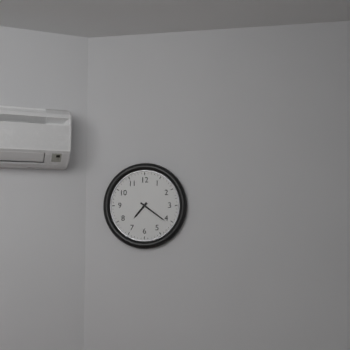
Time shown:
{"hour": 7, "minute": 21}
